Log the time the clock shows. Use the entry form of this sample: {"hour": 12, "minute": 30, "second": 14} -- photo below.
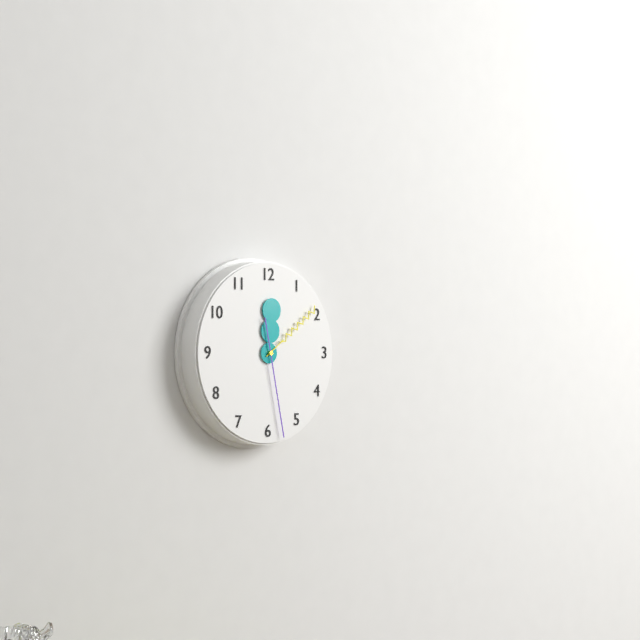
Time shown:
{"hour": 12, "minute": 9, "second": 28}
